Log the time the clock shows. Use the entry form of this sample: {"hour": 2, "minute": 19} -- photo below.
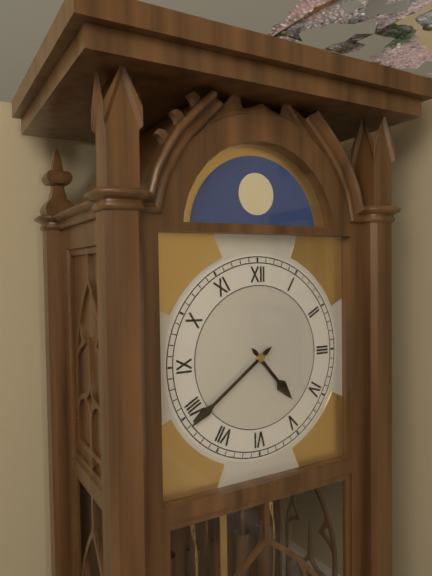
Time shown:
{"hour": 4, "minute": 39}
